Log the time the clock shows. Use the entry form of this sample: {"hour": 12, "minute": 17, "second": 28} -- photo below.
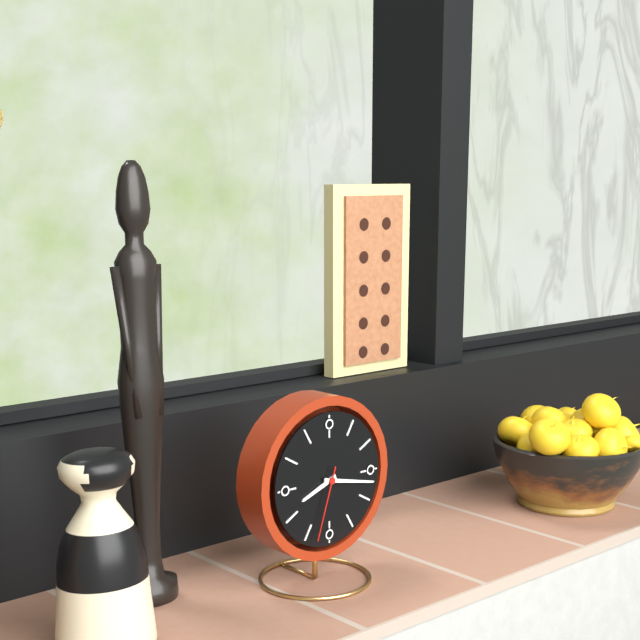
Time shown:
{"hour": 8, "minute": 17, "second": 33}
